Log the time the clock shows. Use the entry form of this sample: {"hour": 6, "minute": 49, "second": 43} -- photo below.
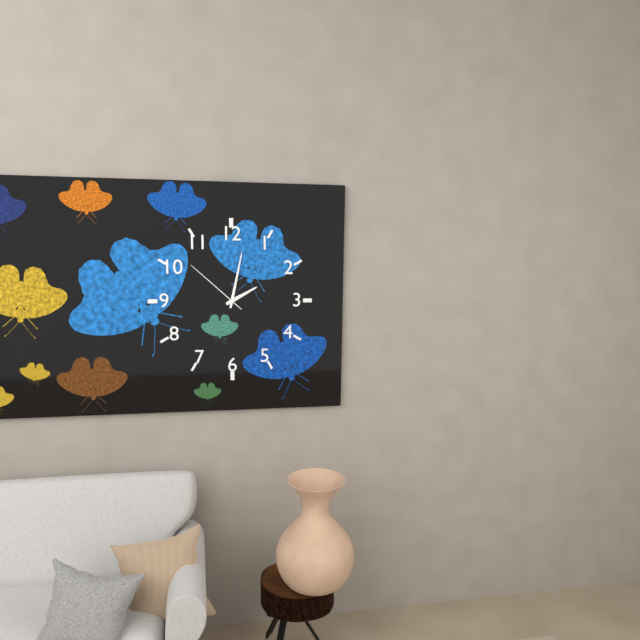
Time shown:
{"hour": 2, "minute": 2, "second": 52}
